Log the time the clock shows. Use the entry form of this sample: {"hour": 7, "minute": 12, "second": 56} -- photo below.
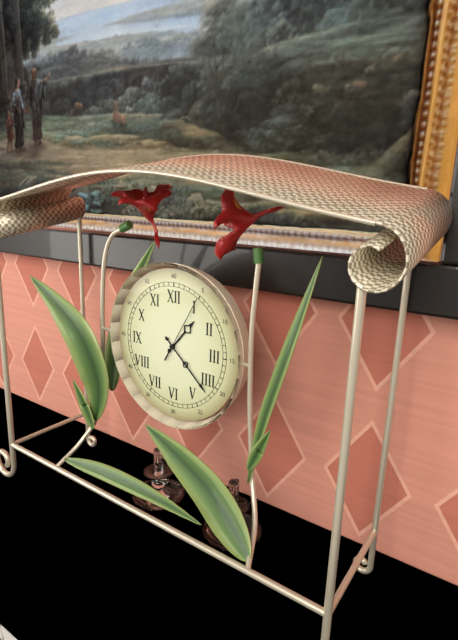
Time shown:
{"hour": 1, "minute": 22, "second": 5}
